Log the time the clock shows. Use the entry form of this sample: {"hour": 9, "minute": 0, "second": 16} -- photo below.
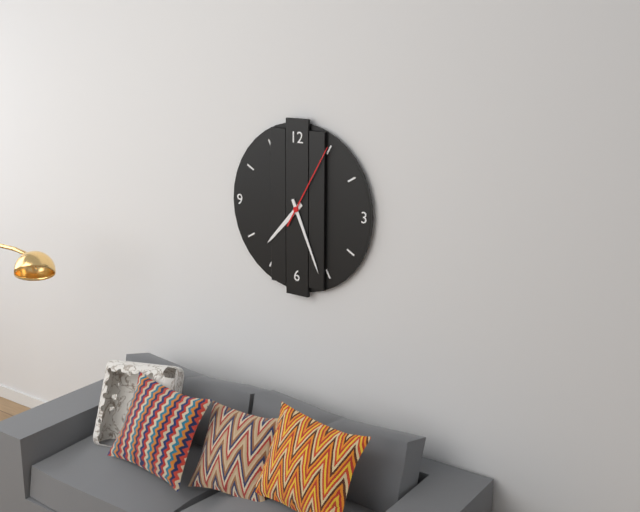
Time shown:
{"hour": 7, "minute": 26, "second": 5}
